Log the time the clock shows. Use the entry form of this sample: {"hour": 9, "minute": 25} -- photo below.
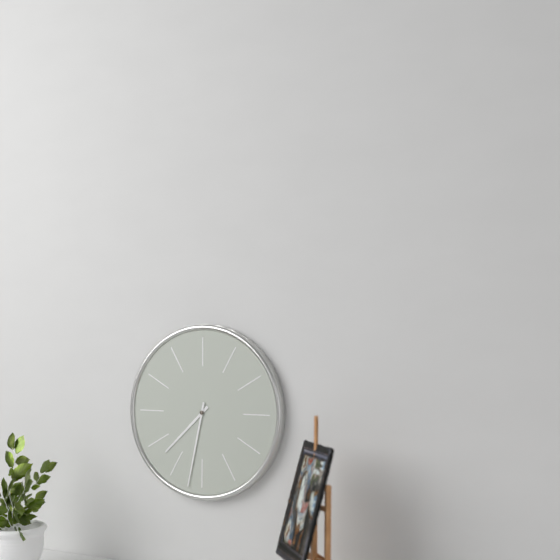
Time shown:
{"hour": 7, "minute": 32}
